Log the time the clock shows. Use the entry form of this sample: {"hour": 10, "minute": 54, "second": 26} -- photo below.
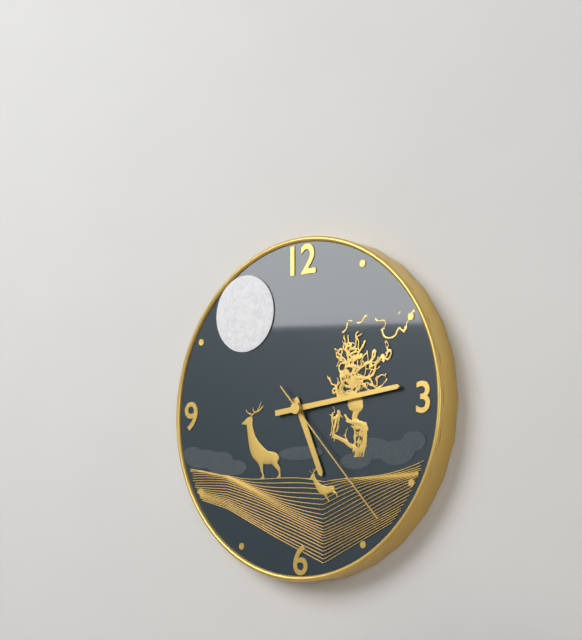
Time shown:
{"hour": 5, "minute": 14, "second": 23}
